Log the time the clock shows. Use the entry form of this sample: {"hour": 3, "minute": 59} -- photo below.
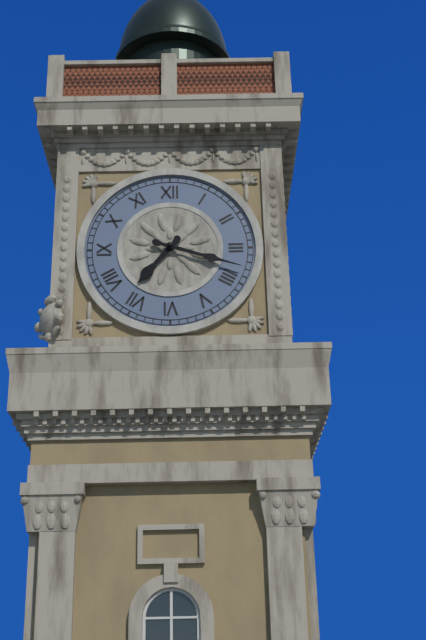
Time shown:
{"hour": 7, "minute": 18}
